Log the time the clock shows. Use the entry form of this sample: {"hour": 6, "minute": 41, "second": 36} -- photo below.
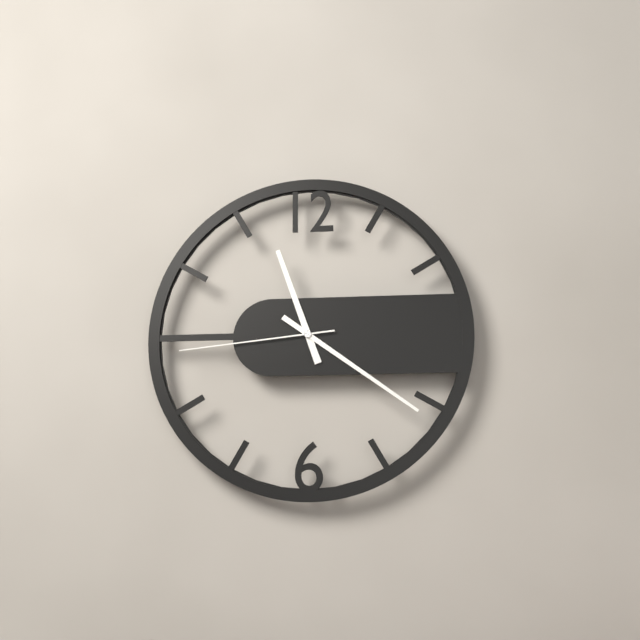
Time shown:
{"hour": 11, "minute": 21, "second": 44}
